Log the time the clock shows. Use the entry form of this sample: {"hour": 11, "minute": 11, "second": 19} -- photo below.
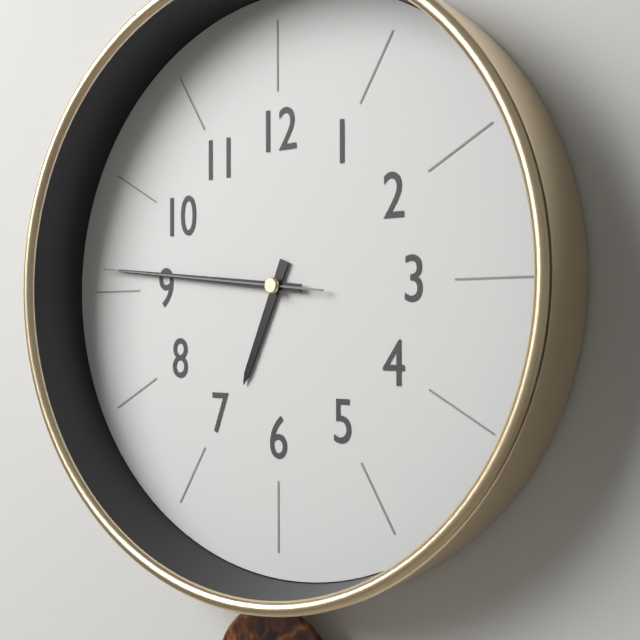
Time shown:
{"hour": 6, "minute": 46, "second": 46}
